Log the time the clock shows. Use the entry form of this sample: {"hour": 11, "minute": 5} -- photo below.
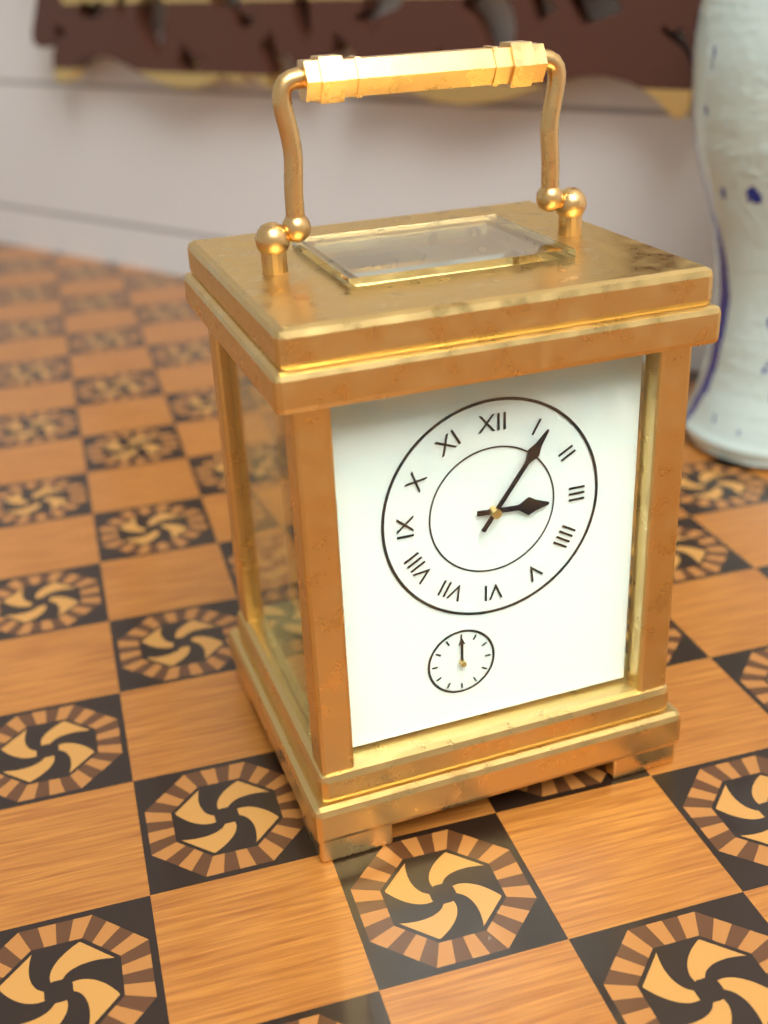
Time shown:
{"hour": 3, "minute": 6}
